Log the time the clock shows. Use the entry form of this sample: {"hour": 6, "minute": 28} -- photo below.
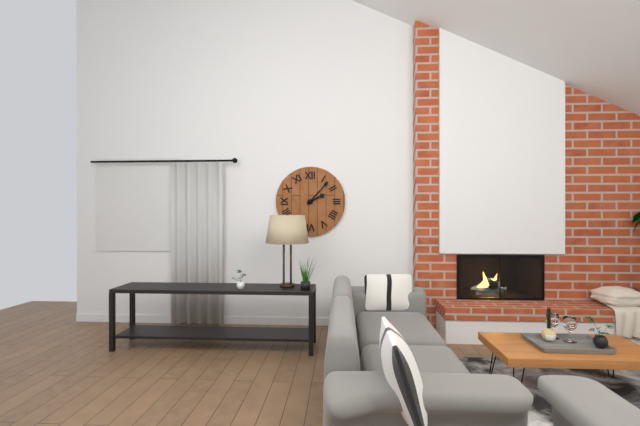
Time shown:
{"hour": 2, "minute": 7}
